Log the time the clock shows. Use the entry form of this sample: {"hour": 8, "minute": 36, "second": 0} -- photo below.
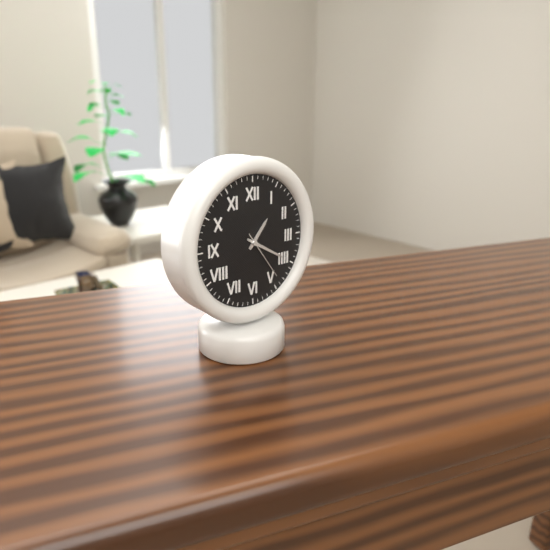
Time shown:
{"hour": 1, "minute": 20, "second": 24}
